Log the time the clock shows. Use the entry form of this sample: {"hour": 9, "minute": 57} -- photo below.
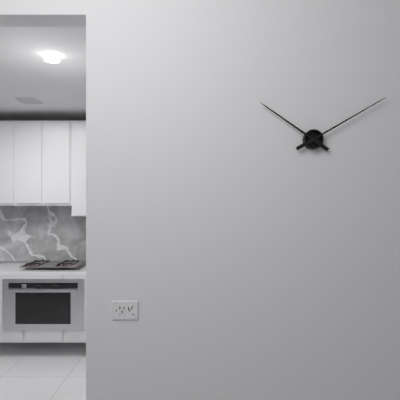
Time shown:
{"hour": 10, "minute": 10}
